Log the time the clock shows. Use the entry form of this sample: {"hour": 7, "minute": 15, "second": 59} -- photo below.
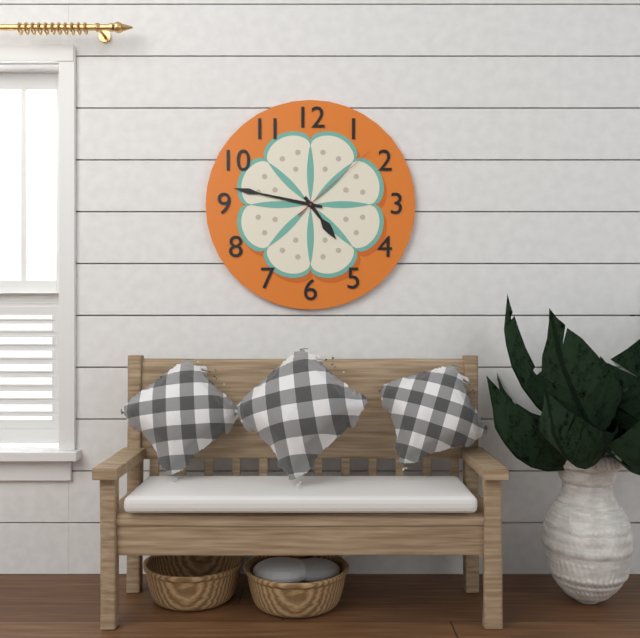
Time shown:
{"hour": 4, "minute": 47, "second": 8}
